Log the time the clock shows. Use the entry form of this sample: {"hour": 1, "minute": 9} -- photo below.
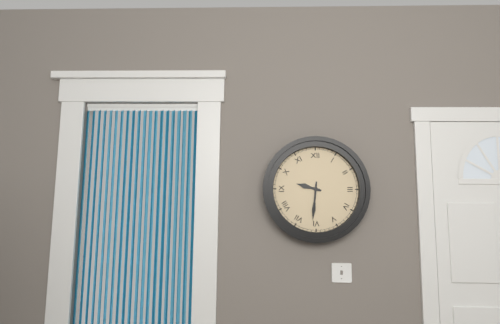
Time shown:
{"hour": 9, "minute": 31}
